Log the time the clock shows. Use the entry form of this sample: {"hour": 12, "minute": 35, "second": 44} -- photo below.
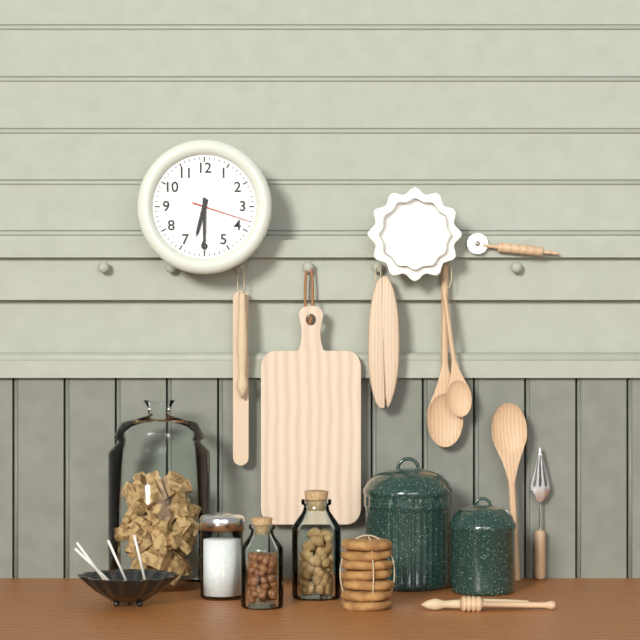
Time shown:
{"hour": 6, "minute": 30, "second": 18}
